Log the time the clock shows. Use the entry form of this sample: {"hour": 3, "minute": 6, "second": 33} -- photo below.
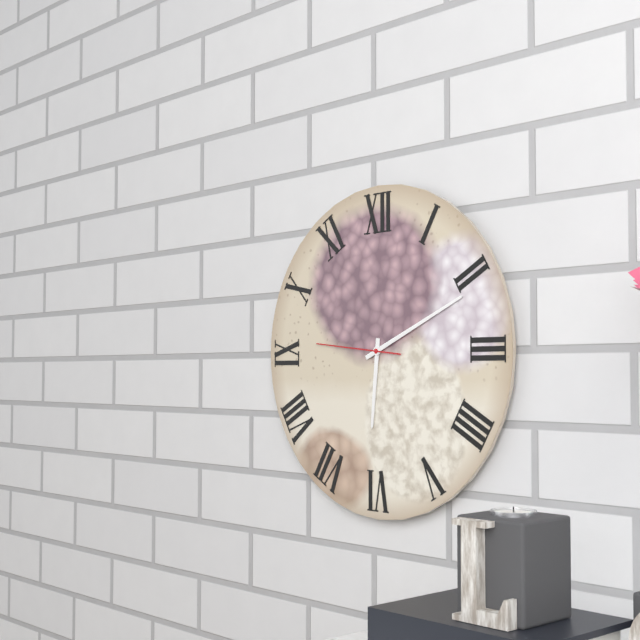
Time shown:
{"hour": 6, "minute": 11, "second": 46}
